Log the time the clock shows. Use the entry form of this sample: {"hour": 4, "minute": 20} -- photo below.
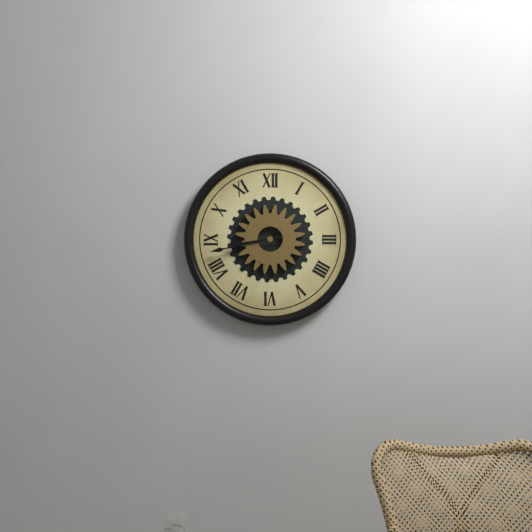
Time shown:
{"hour": 8, "minute": 43}
